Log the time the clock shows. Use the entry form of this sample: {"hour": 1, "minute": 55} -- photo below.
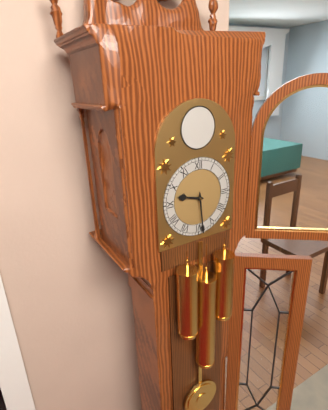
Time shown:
{"hour": 9, "minute": 29}
